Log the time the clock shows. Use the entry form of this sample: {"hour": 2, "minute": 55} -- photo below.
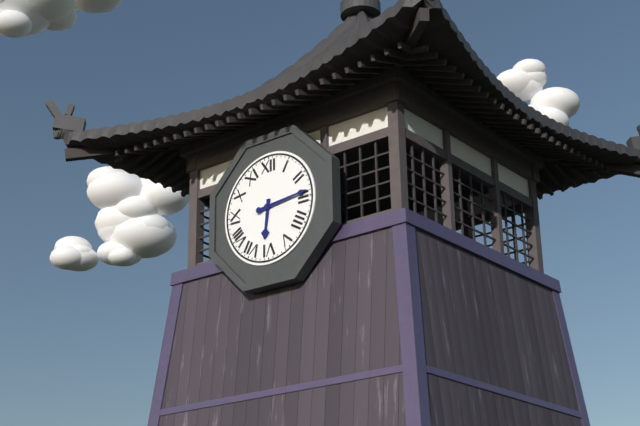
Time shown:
{"hour": 6, "minute": 14}
